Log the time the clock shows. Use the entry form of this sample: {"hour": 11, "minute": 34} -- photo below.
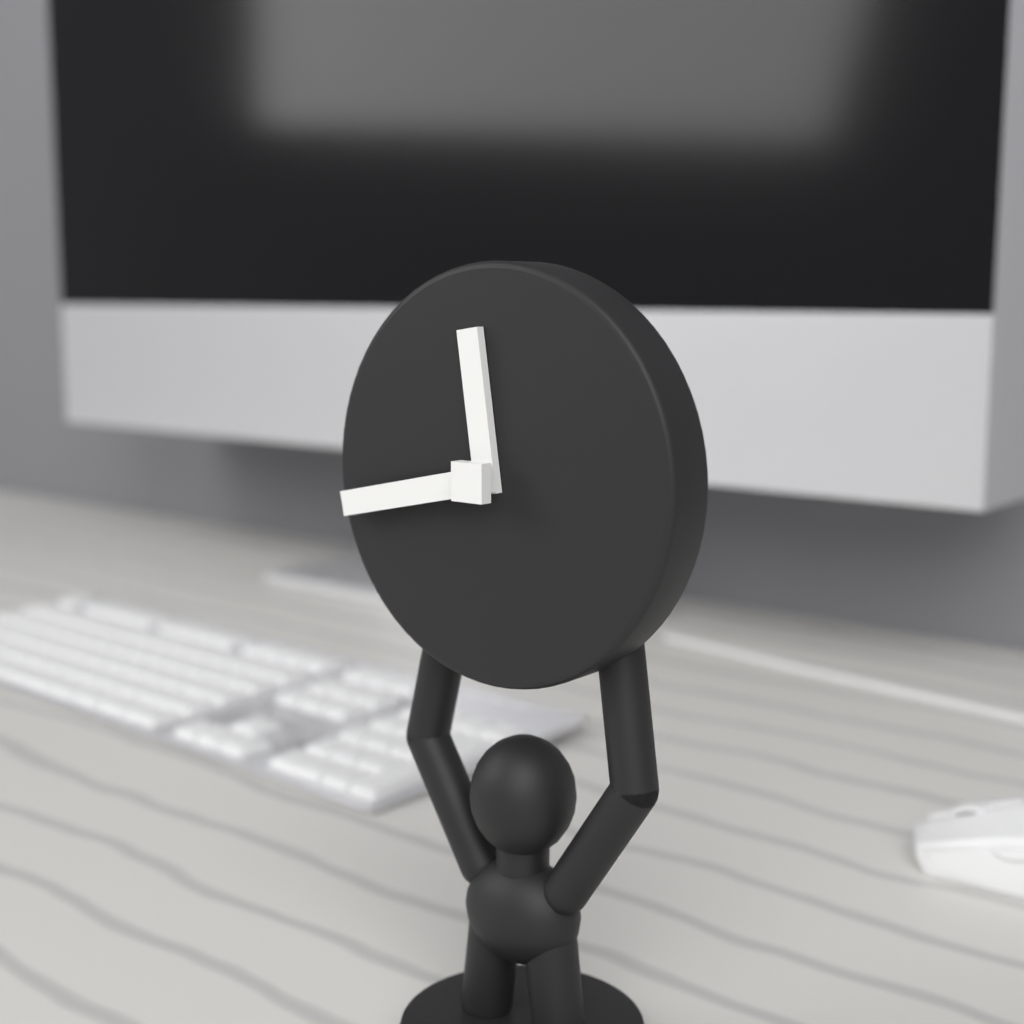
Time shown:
{"hour": 11, "minute": 43}
